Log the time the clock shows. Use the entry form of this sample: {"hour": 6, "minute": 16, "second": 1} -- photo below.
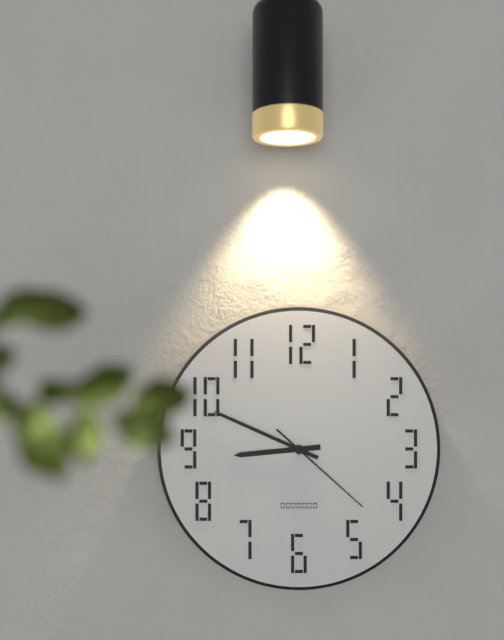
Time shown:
{"hour": 8, "minute": 49, "second": 22}
